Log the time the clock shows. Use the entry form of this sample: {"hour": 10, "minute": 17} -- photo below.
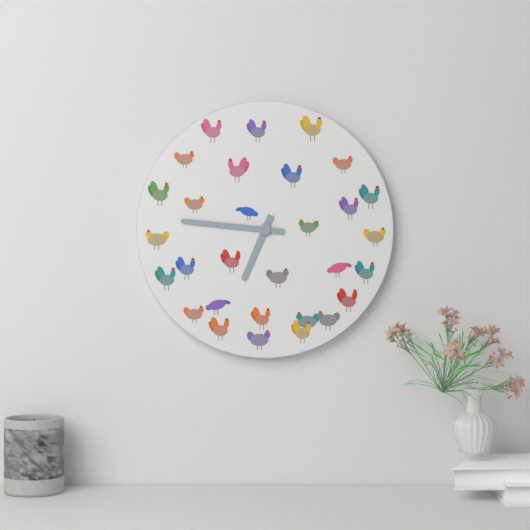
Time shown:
{"hour": 6, "minute": 46}
